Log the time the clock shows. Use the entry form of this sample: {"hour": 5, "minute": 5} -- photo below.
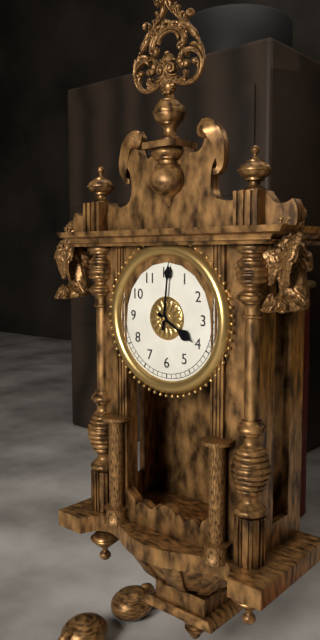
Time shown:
{"hour": 4, "minute": 1}
